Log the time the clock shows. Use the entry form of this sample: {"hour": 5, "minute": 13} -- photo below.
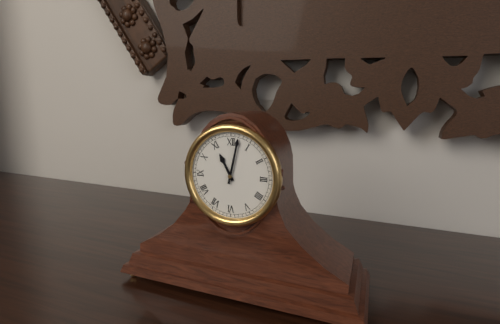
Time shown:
{"hour": 11, "minute": 2}
